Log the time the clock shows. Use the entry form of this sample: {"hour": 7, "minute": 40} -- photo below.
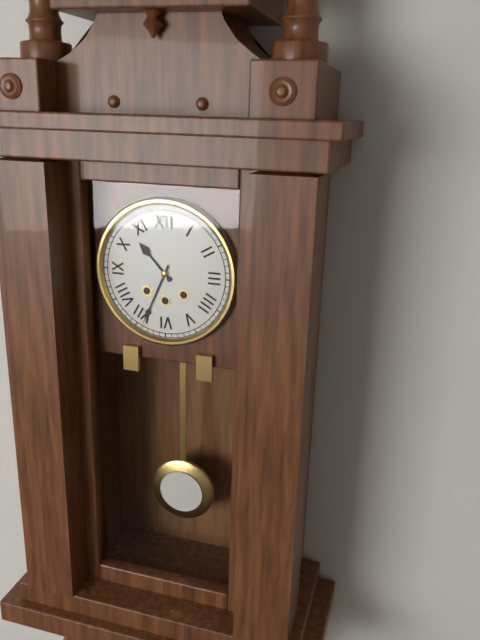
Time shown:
{"hour": 10, "minute": 34}
